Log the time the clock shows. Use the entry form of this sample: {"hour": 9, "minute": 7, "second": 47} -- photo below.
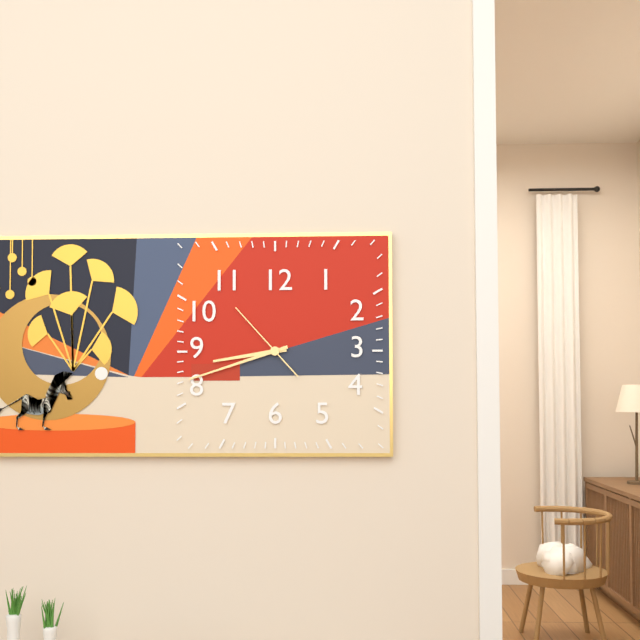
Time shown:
{"hour": 8, "minute": 42, "second": 53}
